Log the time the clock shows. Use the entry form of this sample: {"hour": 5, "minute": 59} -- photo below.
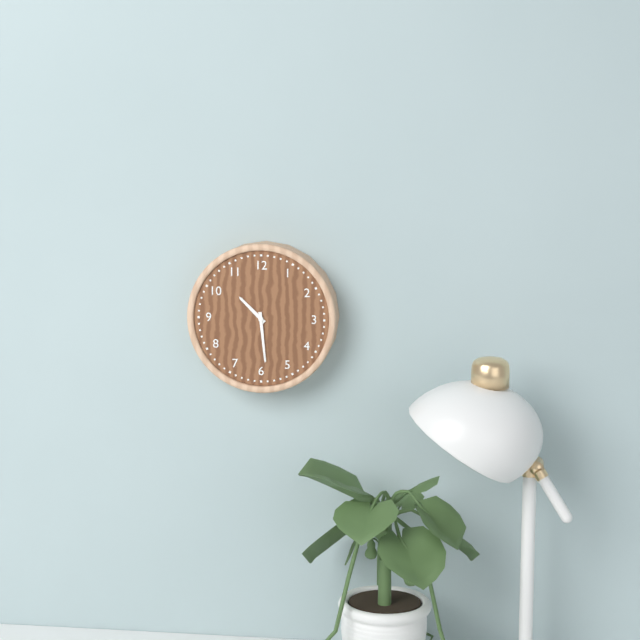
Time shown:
{"hour": 10, "minute": 29}
